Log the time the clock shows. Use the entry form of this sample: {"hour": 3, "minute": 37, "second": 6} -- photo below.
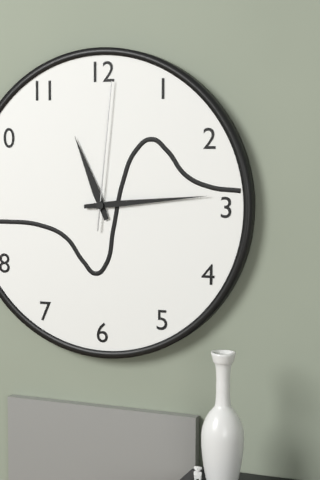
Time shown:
{"hour": 11, "minute": 14, "second": 1}
